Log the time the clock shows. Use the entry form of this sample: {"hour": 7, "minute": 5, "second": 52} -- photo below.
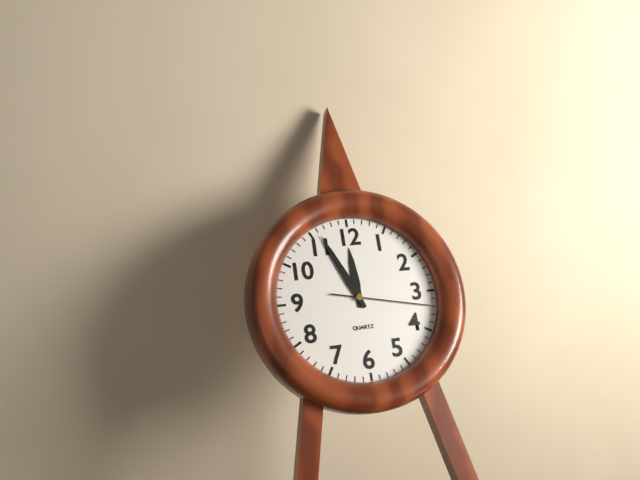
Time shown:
{"hour": 11, "minute": 56, "second": 17}
